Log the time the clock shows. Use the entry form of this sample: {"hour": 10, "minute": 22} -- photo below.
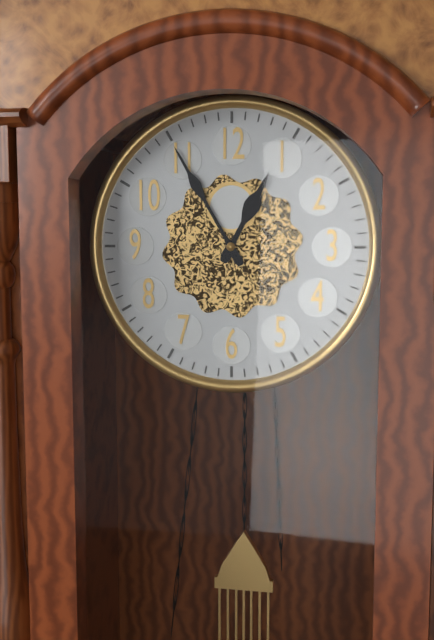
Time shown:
{"hour": 12, "minute": 55}
